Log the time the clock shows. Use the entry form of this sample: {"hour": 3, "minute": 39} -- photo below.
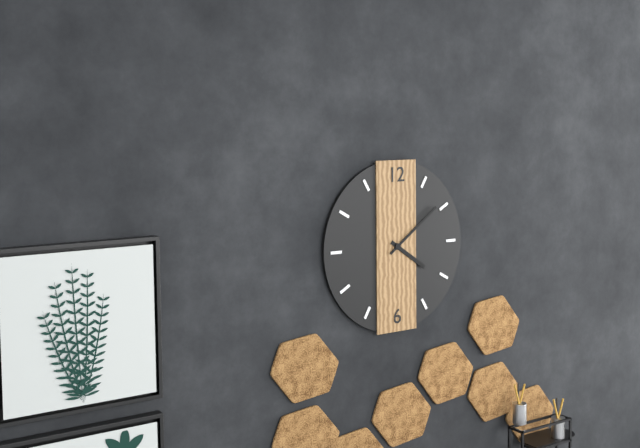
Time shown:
{"hour": 4, "minute": 9}
